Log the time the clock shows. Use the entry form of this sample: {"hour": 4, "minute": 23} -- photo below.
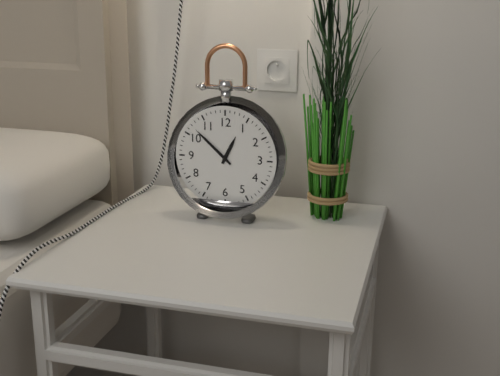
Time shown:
{"hour": 12, "minute": 52}
